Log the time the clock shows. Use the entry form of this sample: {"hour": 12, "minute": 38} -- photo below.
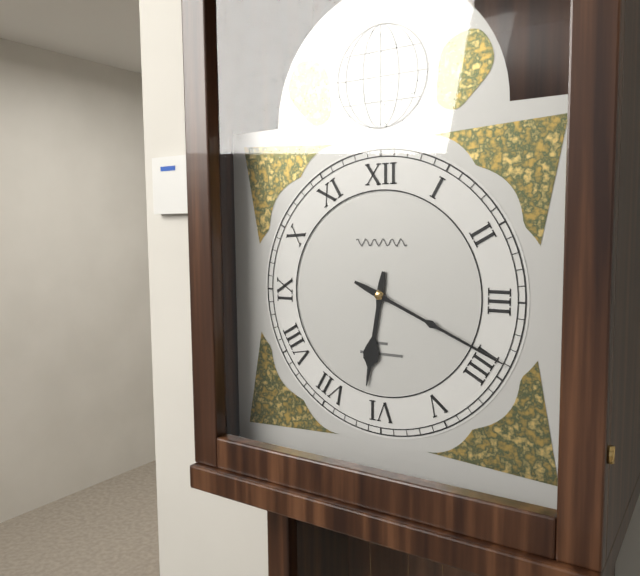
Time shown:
{"hour": 6, "minute": 19}
